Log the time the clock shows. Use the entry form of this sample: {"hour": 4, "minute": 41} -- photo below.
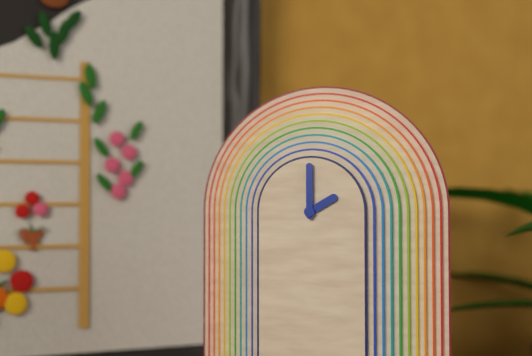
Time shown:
{"hour": 2, "minute": 0}
